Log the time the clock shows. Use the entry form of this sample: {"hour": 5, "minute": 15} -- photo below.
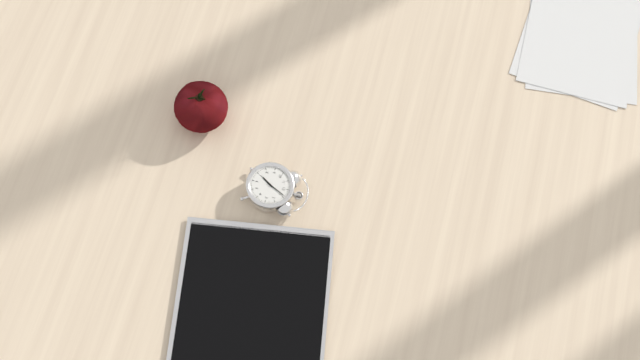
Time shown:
{"hour": 7, "minute": 4}
